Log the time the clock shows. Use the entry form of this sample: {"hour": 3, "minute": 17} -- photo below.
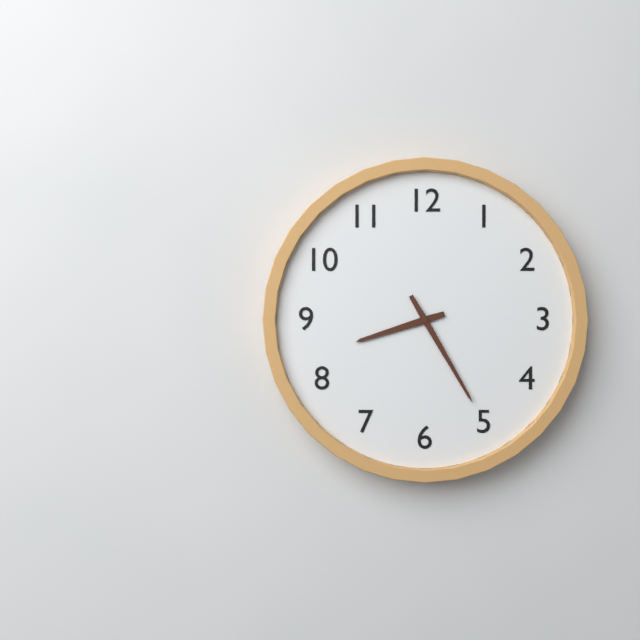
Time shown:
{"hour": 8, "minute": 25}
